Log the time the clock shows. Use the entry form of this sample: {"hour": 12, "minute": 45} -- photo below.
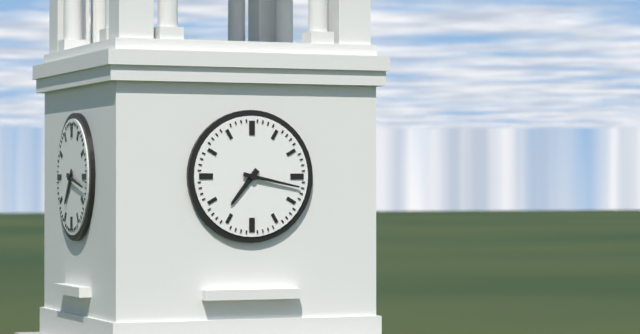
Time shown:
{"hour": 7, "minute": 17}
